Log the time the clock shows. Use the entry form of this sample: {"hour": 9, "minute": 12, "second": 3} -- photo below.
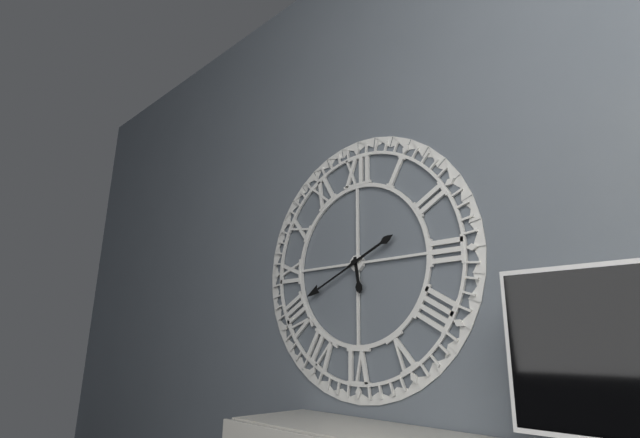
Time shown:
{"hour": 5, "minute": 41, "second": 11}
